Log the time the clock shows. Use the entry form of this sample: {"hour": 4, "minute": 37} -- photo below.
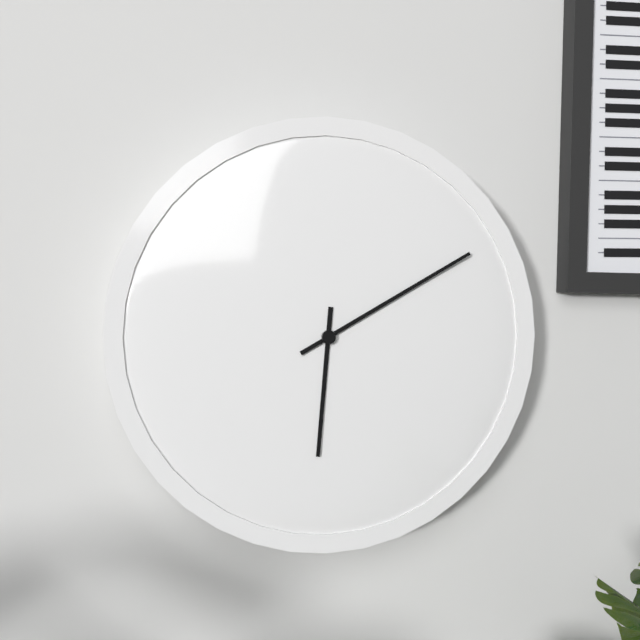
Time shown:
{"hour": 6, "minute": 10}
